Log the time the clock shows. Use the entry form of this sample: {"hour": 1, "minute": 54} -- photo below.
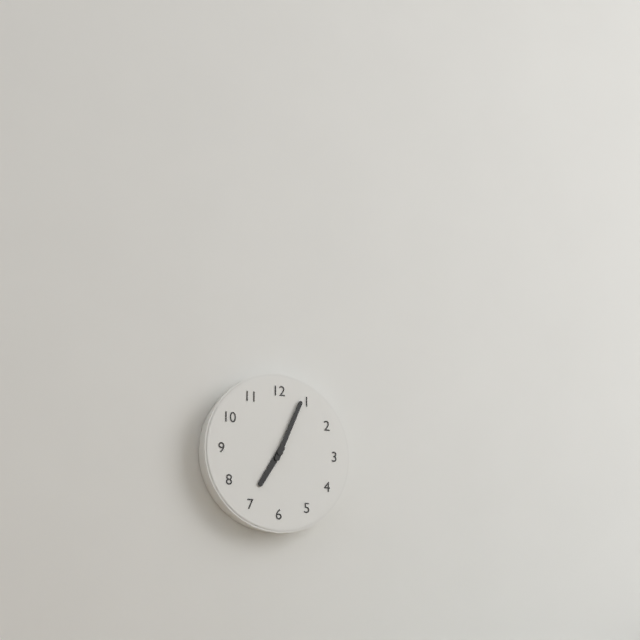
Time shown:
{"hour": 7, "minute": 4}
